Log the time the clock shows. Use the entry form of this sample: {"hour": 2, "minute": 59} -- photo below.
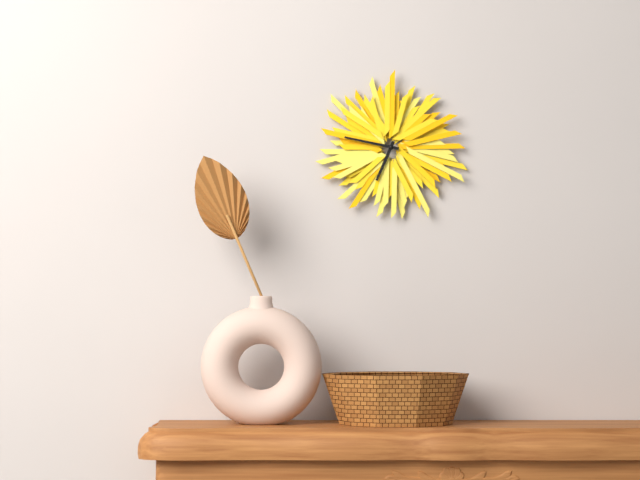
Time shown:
{"hour": 6, "minute": 47}
